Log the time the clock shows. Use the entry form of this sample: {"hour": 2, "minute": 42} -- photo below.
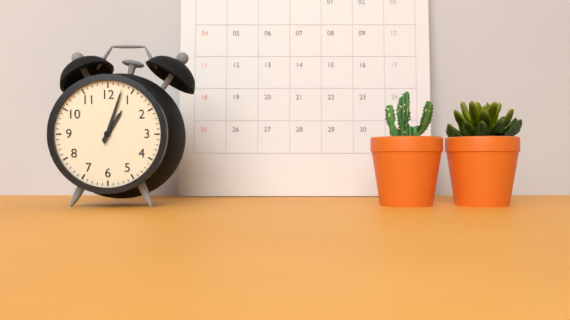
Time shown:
{"hour": 1, "minute": 3}
